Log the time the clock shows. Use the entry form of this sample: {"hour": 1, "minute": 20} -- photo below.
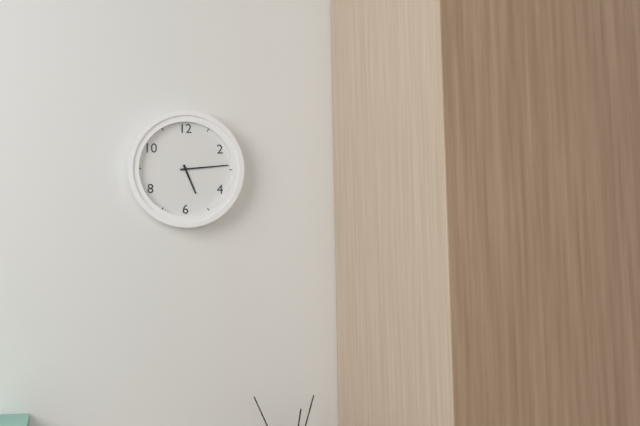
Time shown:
{"hour": 5, "minute": 14}
